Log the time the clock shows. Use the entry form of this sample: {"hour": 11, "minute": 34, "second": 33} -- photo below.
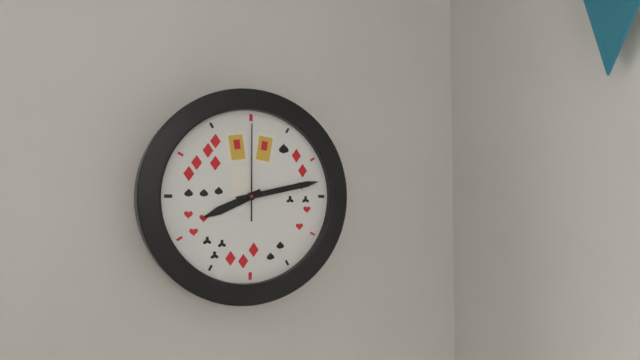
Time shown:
{"hour": 8, "minute": 13, "second": 0}
